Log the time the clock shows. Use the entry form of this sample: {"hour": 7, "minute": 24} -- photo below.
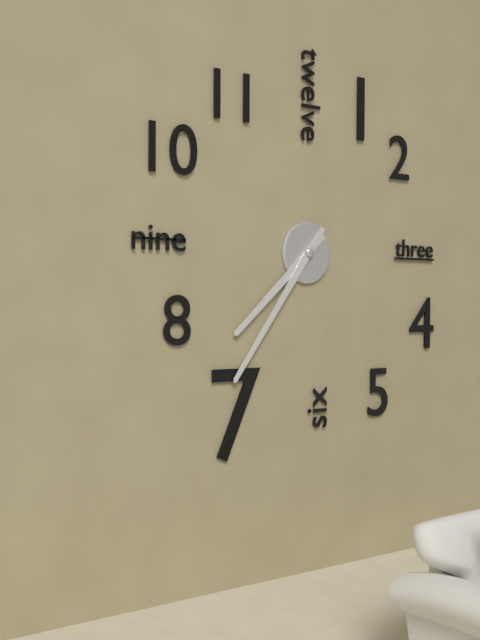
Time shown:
{"hour": 7, "minute": 36}
